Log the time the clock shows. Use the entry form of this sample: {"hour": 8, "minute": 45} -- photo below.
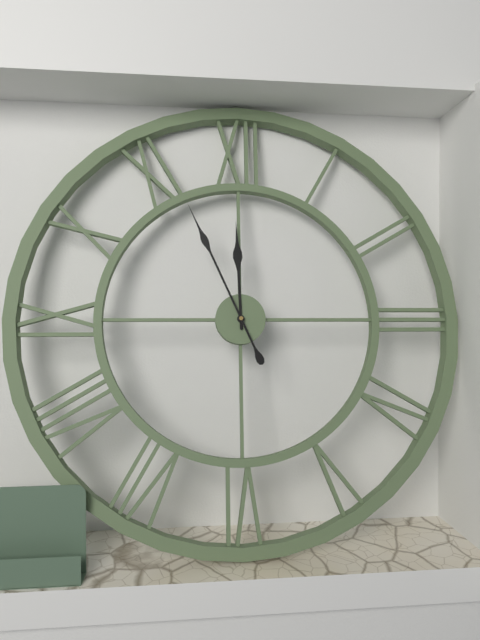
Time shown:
{"hour": 11, "minute": 56}
